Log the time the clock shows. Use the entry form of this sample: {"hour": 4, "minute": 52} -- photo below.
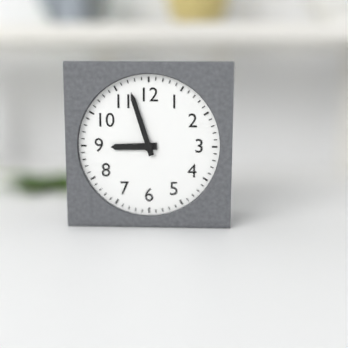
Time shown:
{"hour": 8, "minute": 57}
